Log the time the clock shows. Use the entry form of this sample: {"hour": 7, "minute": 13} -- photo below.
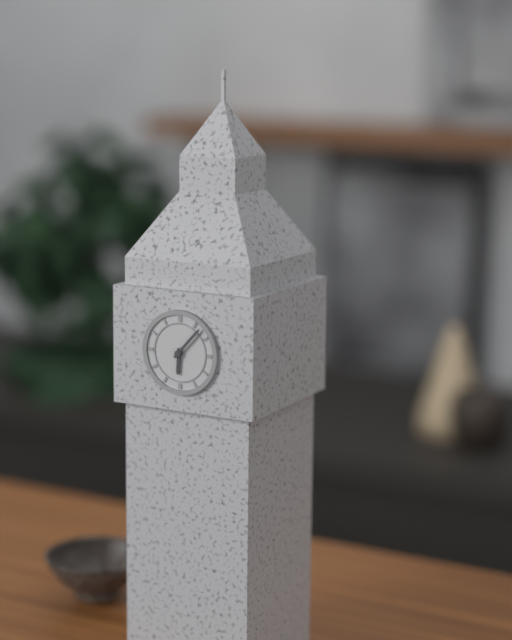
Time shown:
{"hour": 6, "minute": 7}
